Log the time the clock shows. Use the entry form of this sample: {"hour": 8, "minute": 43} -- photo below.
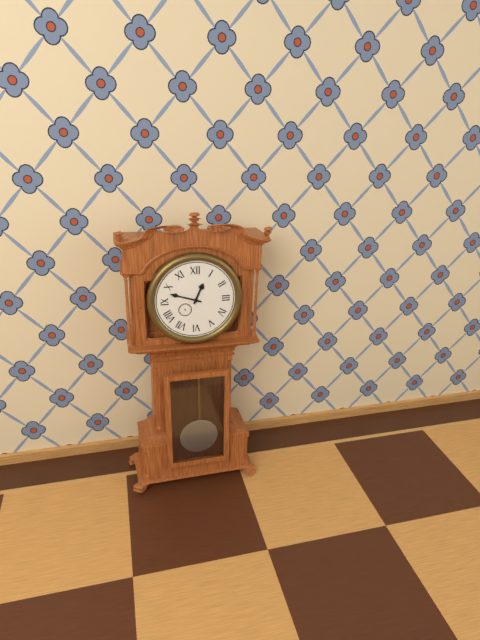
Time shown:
{"hour": 12, "minute": 48}
